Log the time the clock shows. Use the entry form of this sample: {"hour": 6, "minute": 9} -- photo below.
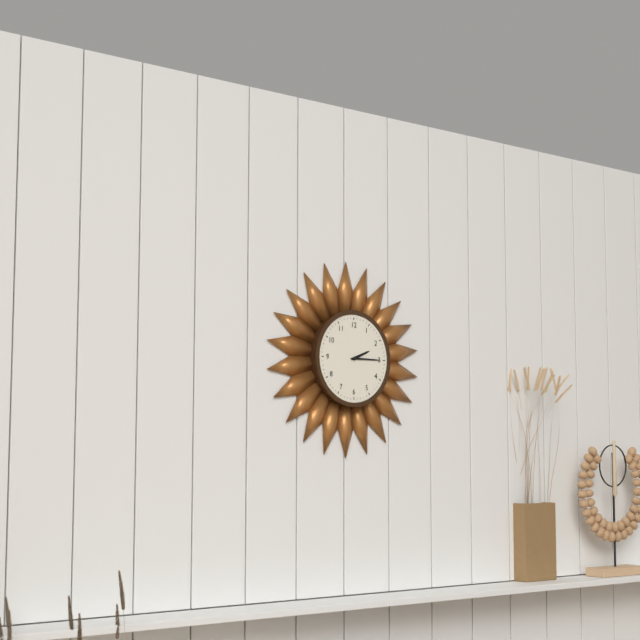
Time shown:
{"hour": 2, "minute": 15}
